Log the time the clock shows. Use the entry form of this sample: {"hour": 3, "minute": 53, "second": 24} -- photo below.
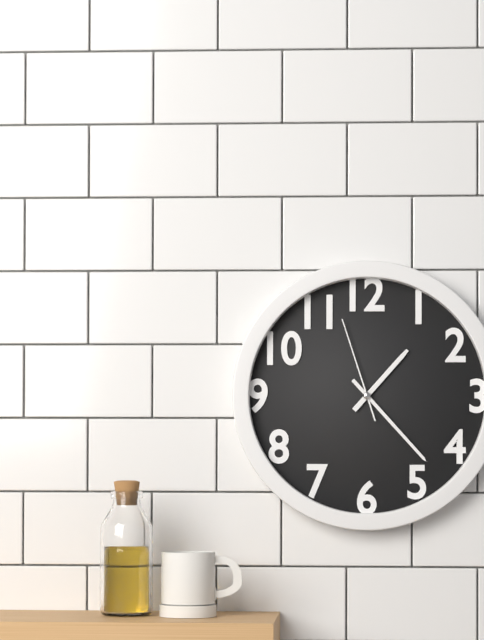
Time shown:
{"hour": 1, "minute": 23, "second": 57}
